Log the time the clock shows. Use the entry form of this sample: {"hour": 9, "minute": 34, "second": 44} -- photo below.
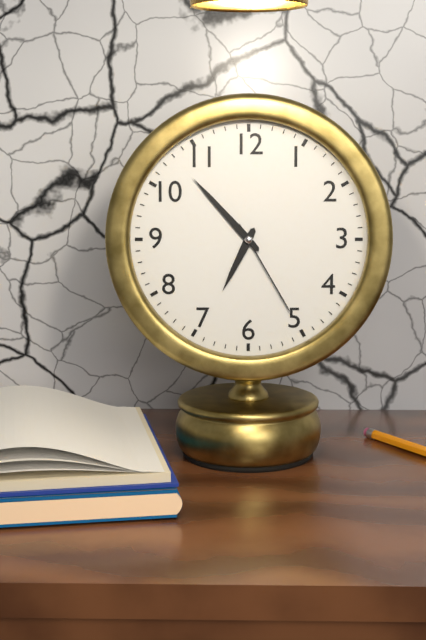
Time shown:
{"hour": 6, "minute": 53, "second": 25}
